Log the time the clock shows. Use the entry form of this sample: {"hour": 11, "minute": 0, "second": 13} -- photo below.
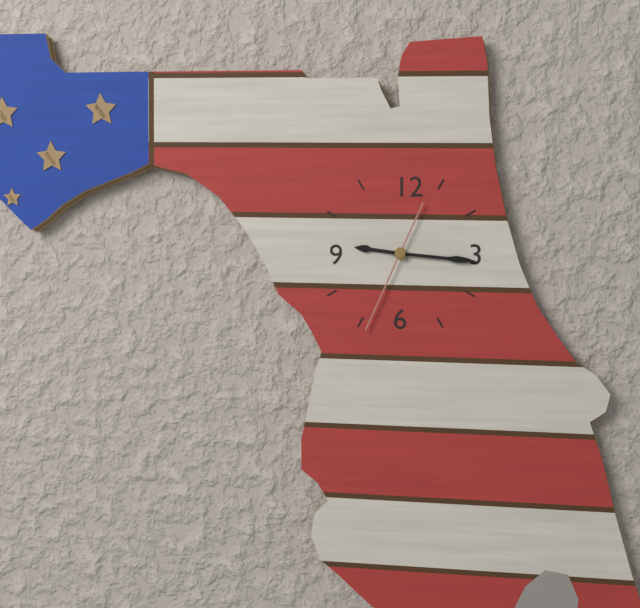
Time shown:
{"hour": 9, "minute": 16, "second": 34}
